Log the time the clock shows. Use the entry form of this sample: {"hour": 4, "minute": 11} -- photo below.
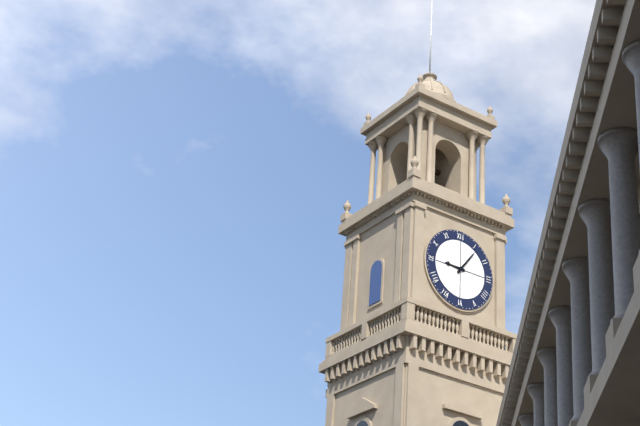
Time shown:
{"hour": 9, "minute": 6}
